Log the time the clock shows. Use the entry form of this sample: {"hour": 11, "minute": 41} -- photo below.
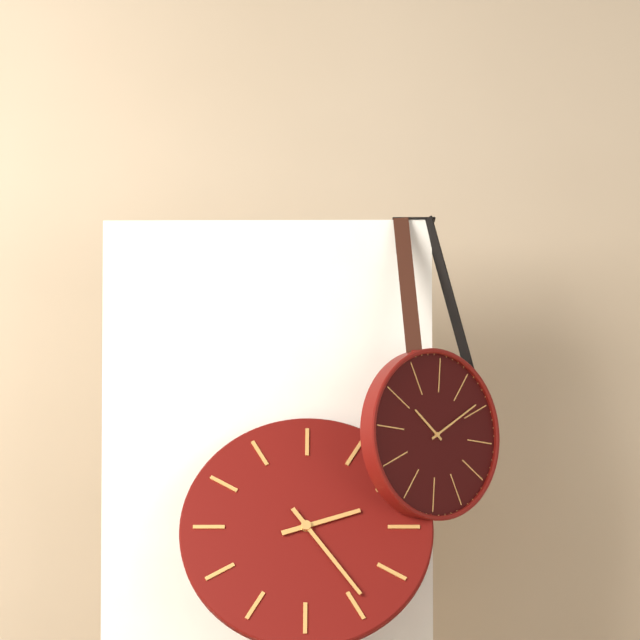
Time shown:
{"hour": 2, "minute": 24}
